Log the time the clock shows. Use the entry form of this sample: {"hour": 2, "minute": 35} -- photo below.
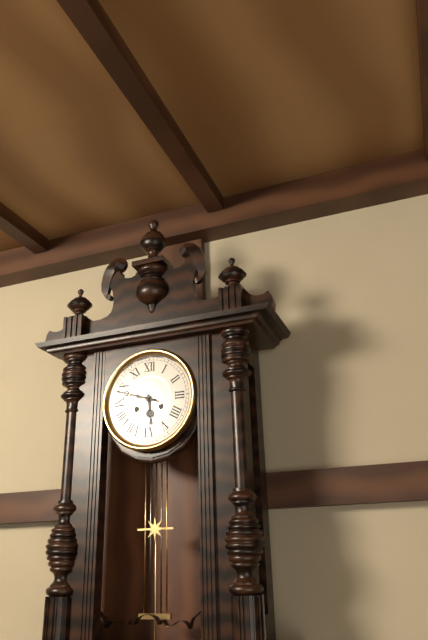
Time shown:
{"hour": 5, "minute": 48}
